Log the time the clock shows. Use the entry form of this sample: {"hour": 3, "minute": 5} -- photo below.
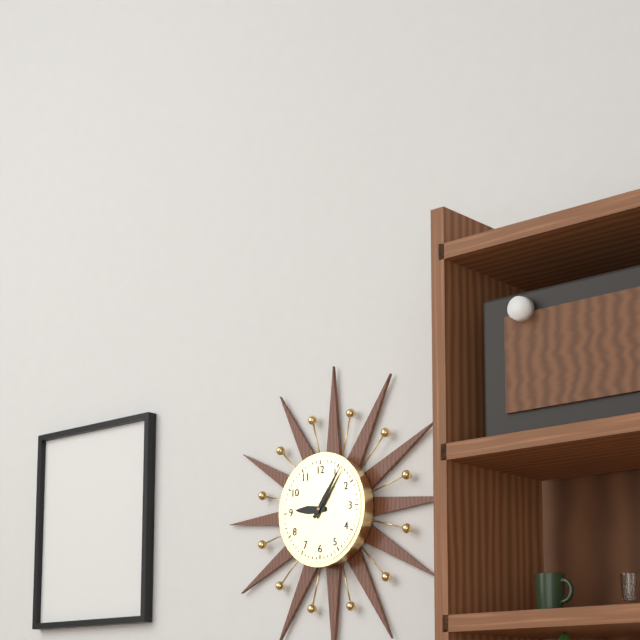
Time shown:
{"hour": 9, "minute": 6}
